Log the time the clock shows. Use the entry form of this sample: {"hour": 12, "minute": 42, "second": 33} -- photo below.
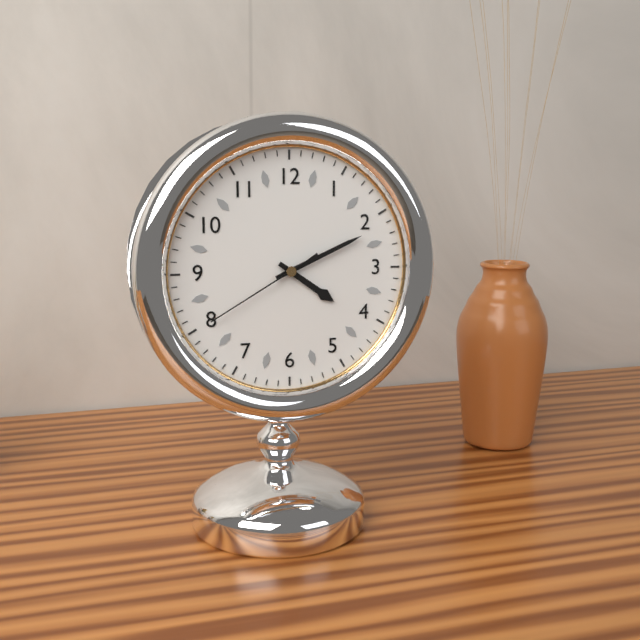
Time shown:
{"hour": 4, "minute": 11, "second": 40}
